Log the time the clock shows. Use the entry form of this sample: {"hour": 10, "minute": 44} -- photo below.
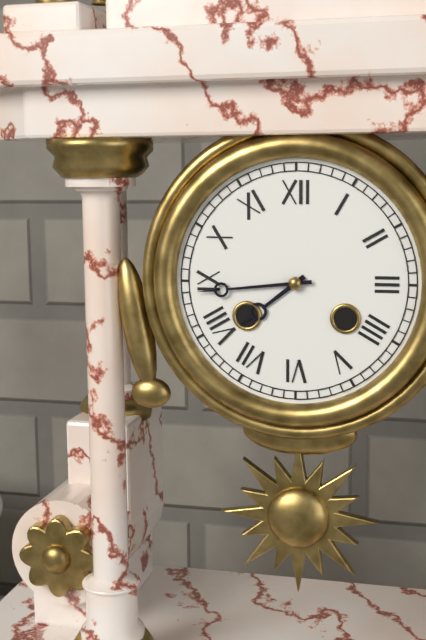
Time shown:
{"hour": 7, "minute": 44}
